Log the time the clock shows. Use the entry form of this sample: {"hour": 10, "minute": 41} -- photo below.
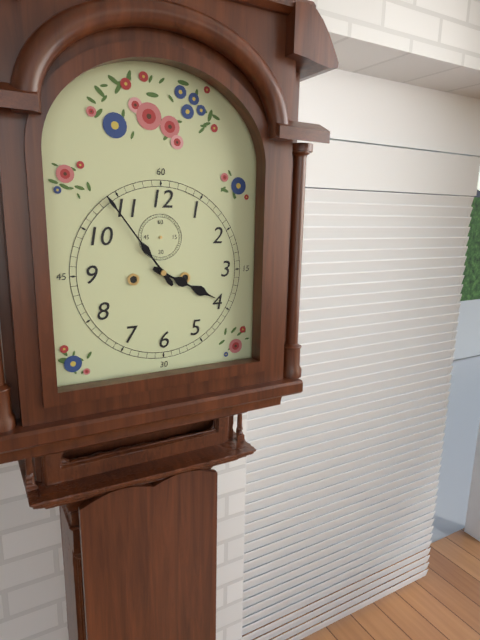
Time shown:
{"hour": 3, "minute": 54}
